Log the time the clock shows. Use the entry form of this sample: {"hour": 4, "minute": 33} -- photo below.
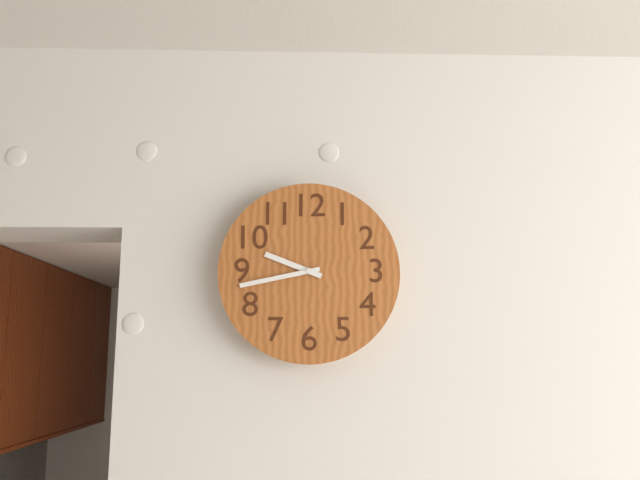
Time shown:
{"hour": 9, "minute": 43}
